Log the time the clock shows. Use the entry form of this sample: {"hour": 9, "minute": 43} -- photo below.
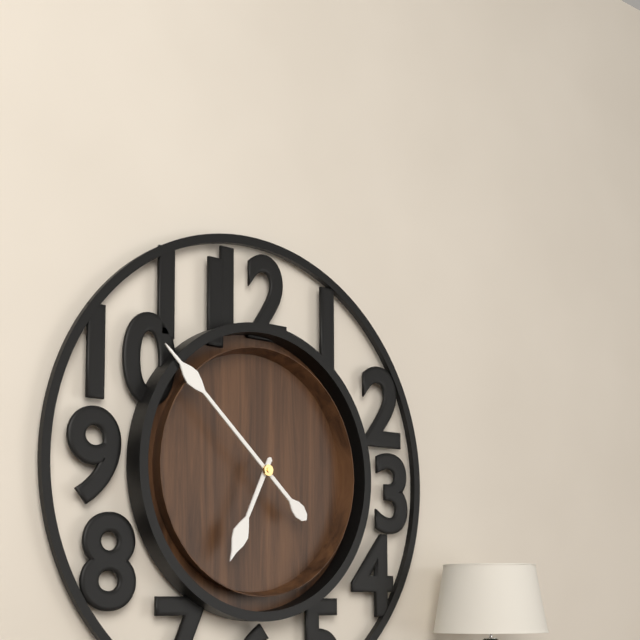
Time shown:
{"hour": 6, "minute": 52}
